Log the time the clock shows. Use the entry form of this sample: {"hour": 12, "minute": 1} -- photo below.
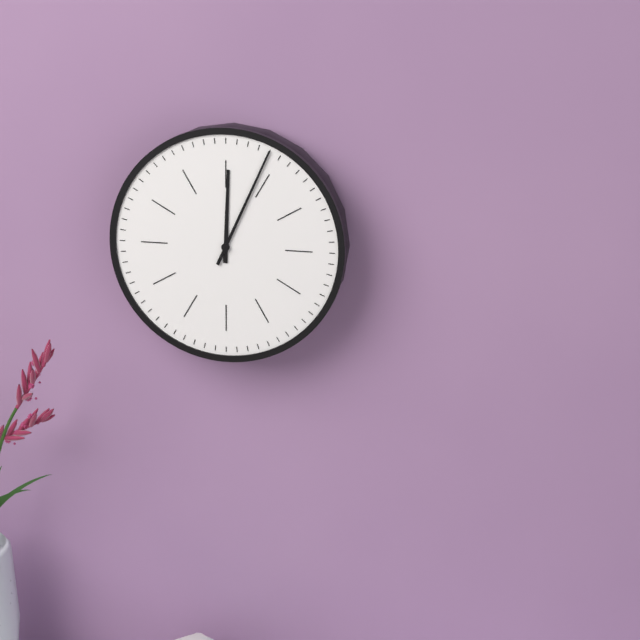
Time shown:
{"hour": 12, "minute": 4}
